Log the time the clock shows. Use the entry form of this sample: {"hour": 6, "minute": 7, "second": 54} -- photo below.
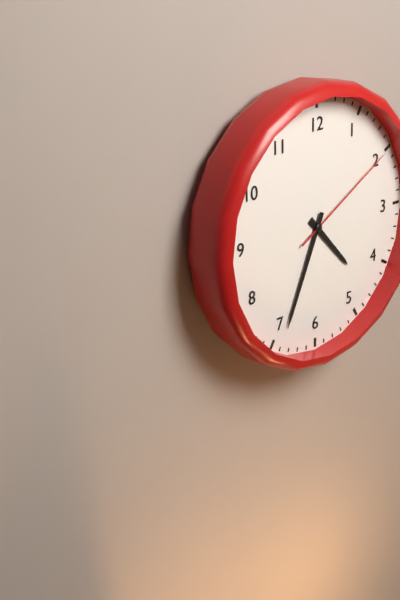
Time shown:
{"hour": 4, "minute": 34, "second": 10}
